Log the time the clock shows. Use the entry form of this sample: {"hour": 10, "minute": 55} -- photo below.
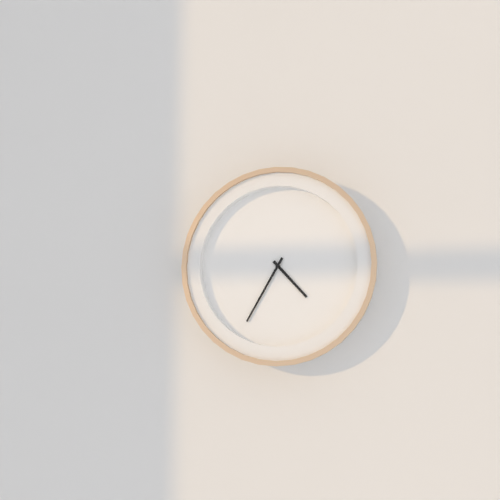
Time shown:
{"hour": 4, "minute": 35}
